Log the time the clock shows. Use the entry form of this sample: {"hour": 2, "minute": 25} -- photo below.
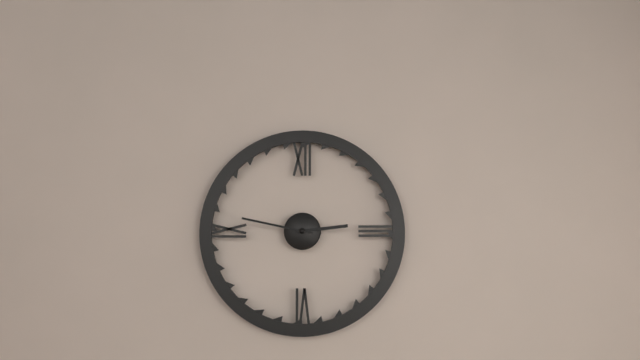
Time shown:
{"hour": 2, "minute": 47}
